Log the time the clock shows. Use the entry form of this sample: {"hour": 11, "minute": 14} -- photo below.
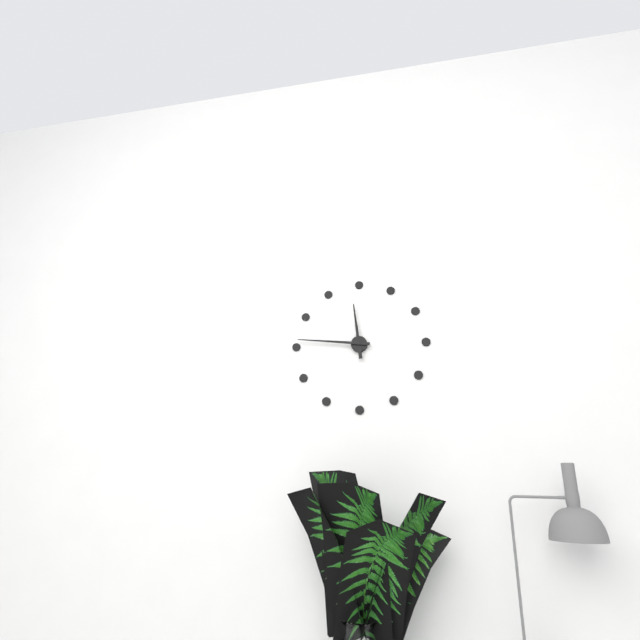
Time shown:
{"hour": 11, "minute": 46}
